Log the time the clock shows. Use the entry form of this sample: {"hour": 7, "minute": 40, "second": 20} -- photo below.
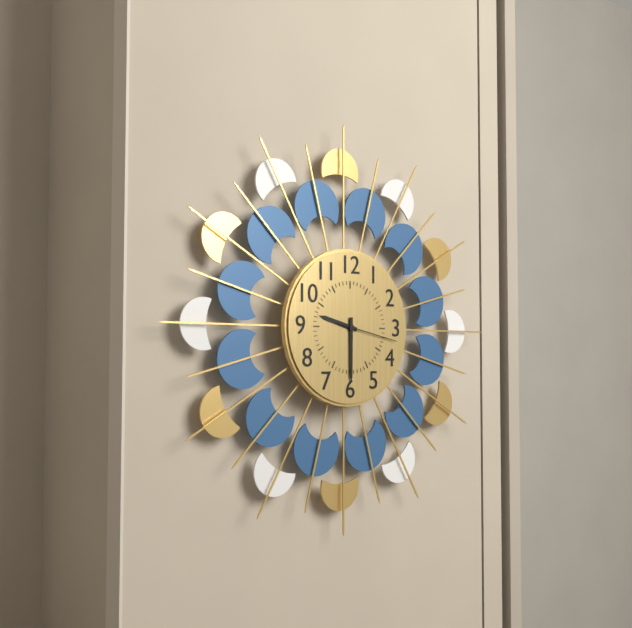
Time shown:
{"hour": 9, "minute": 30, "second": 17}
